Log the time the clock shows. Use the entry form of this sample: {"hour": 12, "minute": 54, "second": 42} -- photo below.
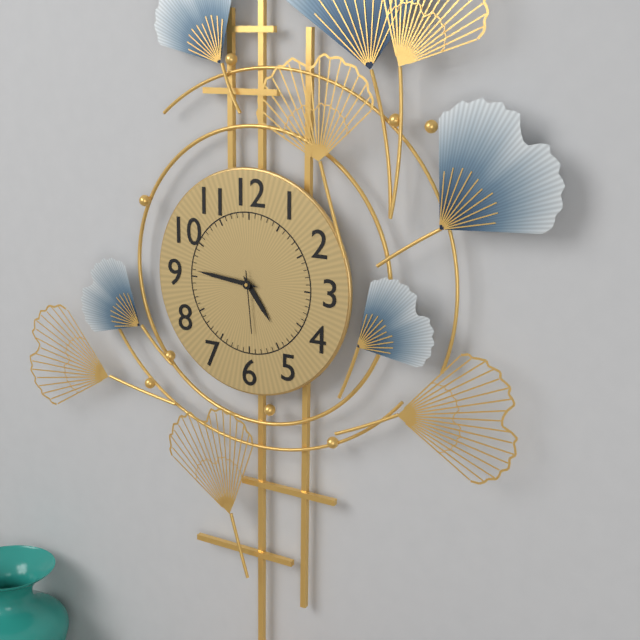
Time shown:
{"hour": 4, "minute": 46, "second": 29}
